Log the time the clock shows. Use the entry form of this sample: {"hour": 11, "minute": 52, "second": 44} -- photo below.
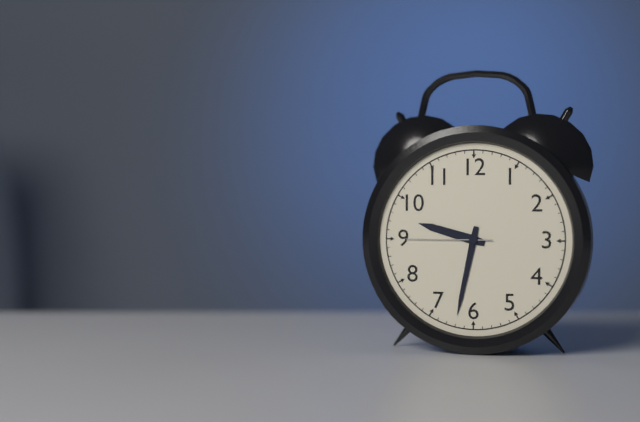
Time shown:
{"hour": 9, "minute": 32, "second": 45}
